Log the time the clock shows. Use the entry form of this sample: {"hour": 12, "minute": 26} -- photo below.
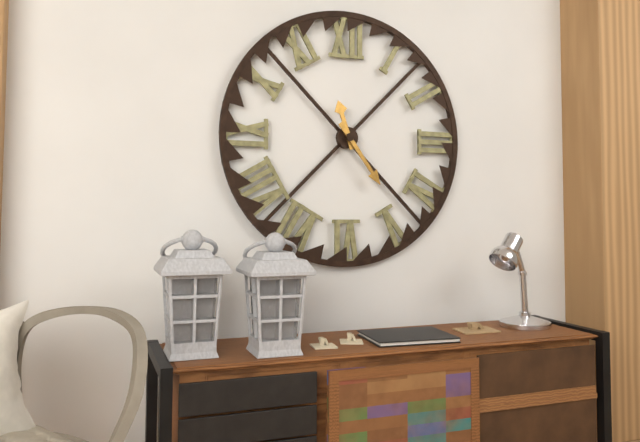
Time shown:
{"hour": 11, "minute": 24}
